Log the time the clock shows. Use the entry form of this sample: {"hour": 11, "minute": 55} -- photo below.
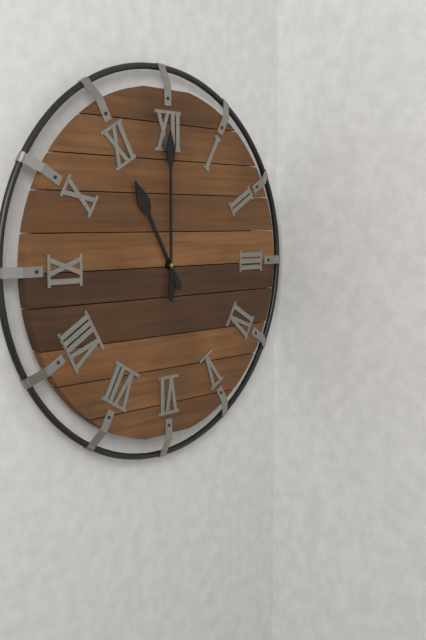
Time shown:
{"hour": 11, "minute": 0}
